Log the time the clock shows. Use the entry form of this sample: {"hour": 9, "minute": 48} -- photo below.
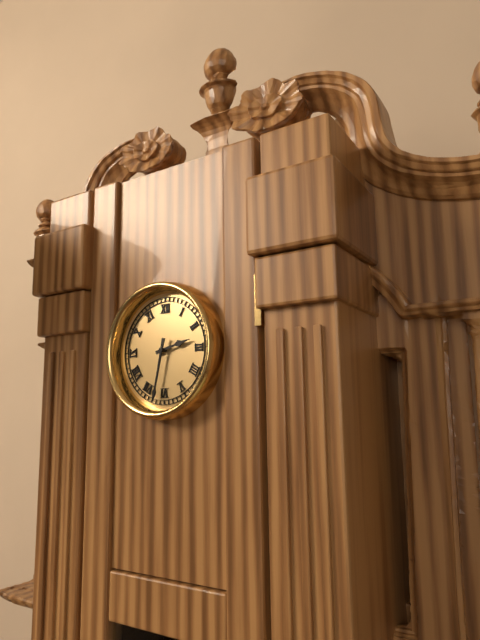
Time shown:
{"hour": 2, "minute": 32}
